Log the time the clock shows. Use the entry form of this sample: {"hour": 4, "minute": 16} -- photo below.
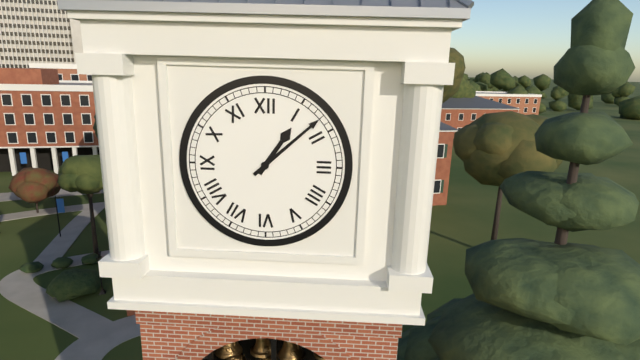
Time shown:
{"hour": 1, "minute": 8}
